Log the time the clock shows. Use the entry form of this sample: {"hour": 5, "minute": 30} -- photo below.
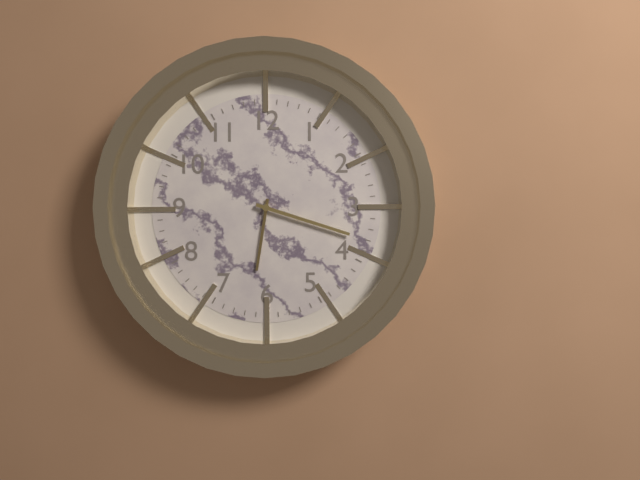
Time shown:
{"hour": 6, "minute": 18}
